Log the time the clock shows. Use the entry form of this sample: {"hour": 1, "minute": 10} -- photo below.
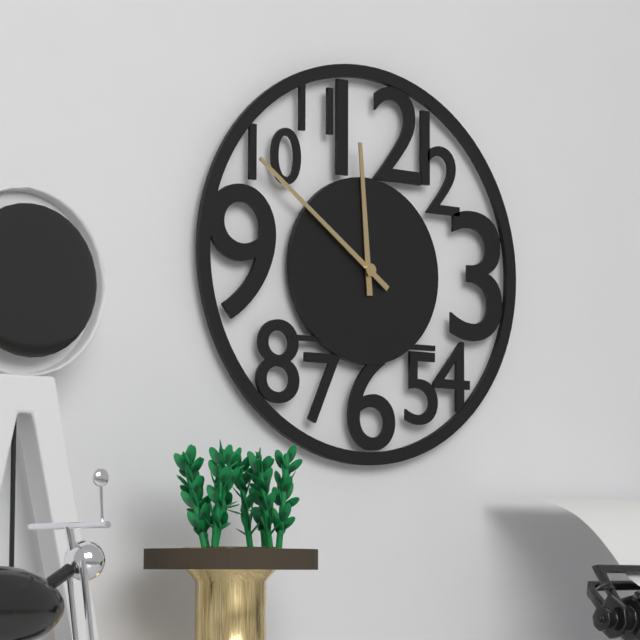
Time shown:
{"hour": 11, "minute": 51}
